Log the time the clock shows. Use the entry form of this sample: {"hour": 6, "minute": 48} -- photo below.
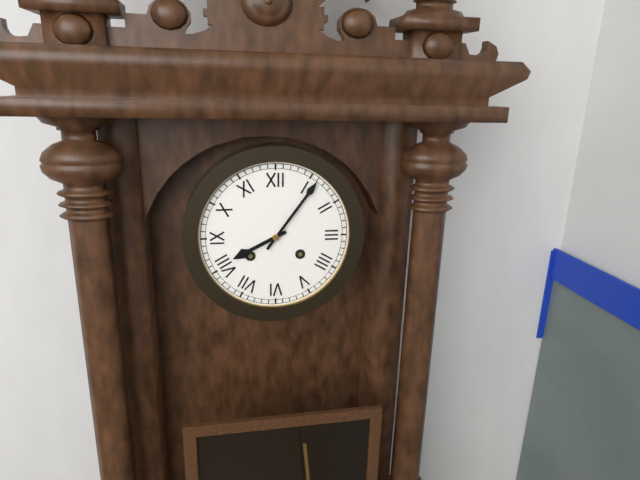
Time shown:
{"hour": 8, "minute": 6}
